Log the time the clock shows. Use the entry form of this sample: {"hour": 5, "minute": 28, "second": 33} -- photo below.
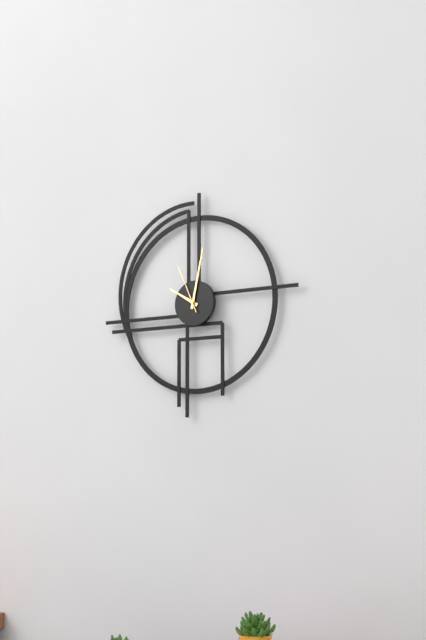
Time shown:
{"hour": 10, "minute": 2, "second": 56}
